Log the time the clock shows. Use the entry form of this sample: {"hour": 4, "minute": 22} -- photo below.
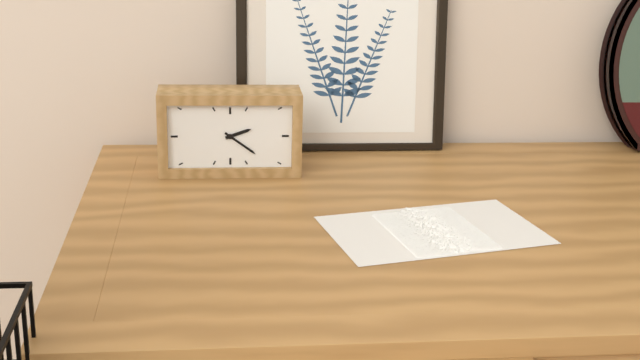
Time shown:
{"hour": 2, "minute": 21}
